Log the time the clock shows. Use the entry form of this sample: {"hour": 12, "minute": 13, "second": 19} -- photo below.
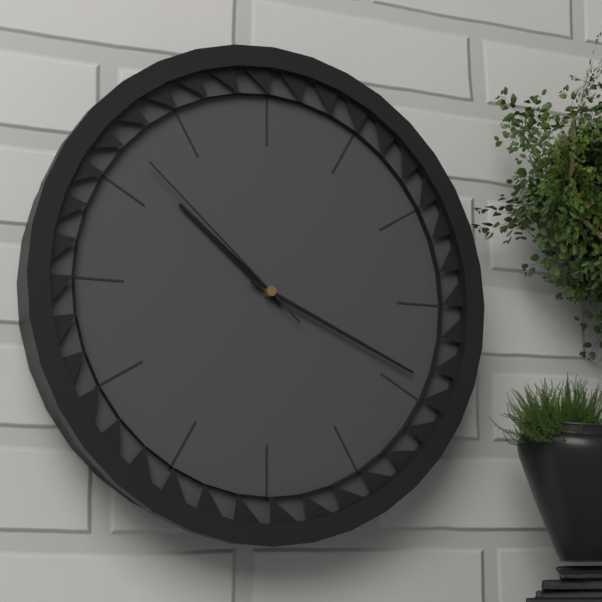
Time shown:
{"hour": 10, "minute": 19, "second": 52}
